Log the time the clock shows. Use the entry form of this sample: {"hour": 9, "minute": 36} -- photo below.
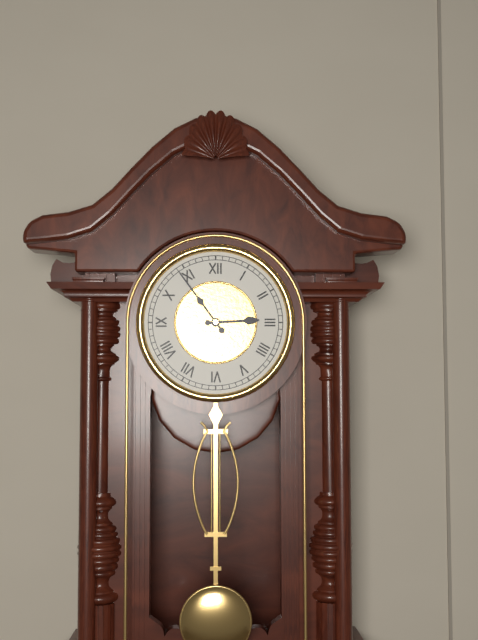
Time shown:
{"hour": 2, "minute": 54}
